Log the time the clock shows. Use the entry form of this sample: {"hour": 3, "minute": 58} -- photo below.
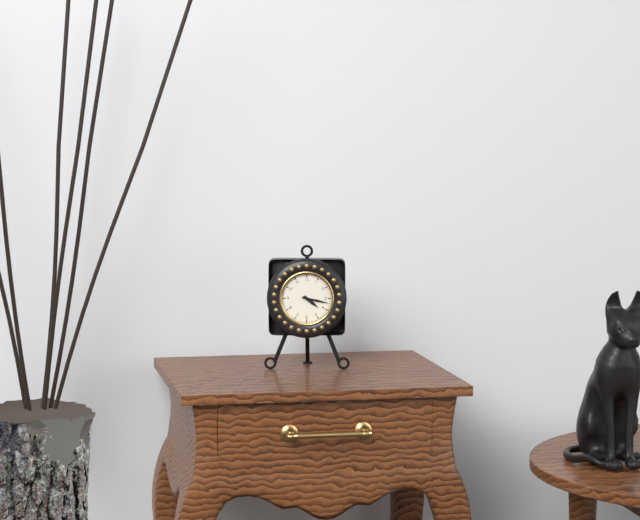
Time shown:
{"hour": 4, "minute": 17}
